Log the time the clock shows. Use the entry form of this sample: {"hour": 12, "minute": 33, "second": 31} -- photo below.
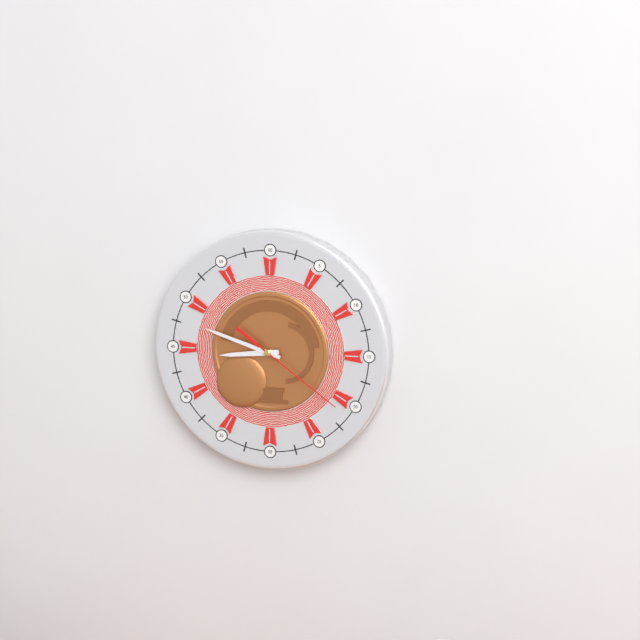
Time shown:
{"hour": 8, "minute": 48, "second": 21}
